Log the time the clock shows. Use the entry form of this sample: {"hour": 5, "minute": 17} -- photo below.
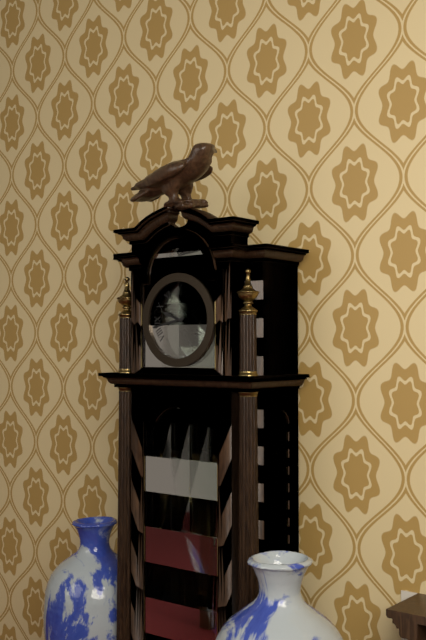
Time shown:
{"hour": 9, "minute": 43}
